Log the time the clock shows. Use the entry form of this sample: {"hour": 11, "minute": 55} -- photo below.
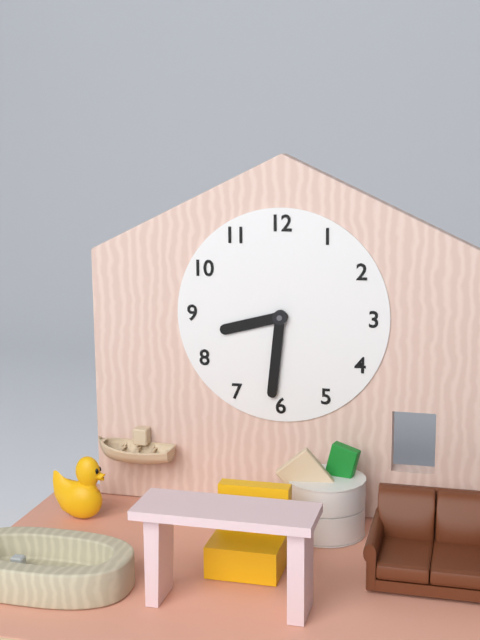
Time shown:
{"hour": 8, "minute": 31}
